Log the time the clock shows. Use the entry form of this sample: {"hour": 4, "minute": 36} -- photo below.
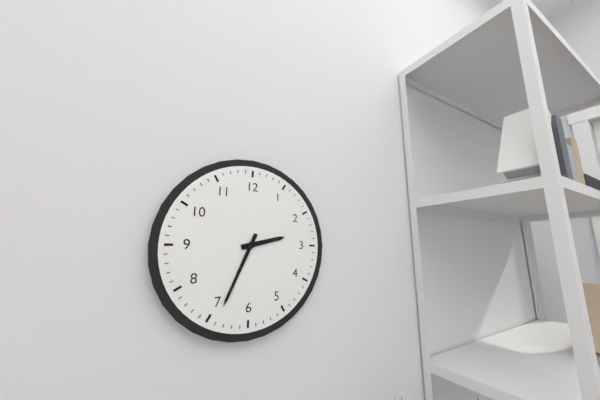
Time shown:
{"hour": 2, "minute": 34}
